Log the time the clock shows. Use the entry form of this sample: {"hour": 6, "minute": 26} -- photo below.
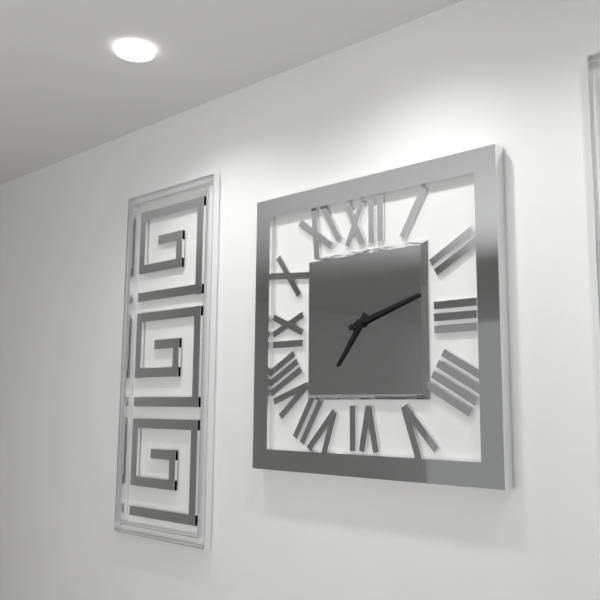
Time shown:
{"hour": 7, "minute": 12}
